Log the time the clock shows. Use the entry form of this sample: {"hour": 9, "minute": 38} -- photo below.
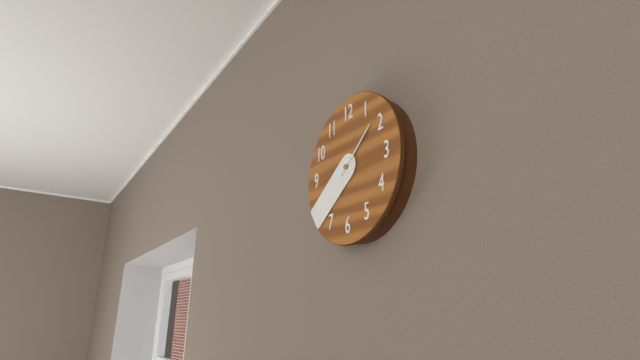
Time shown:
{"hour": 1, "minute": 39}
